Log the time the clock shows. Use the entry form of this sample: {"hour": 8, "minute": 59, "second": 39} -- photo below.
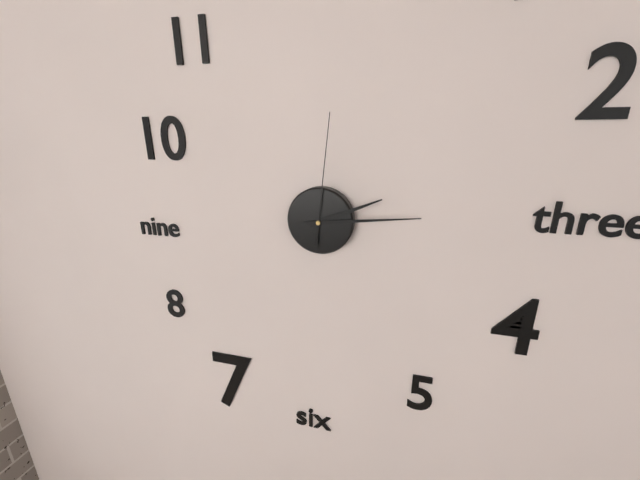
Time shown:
{"hour": 2, "minute": 14, "second": 1}
